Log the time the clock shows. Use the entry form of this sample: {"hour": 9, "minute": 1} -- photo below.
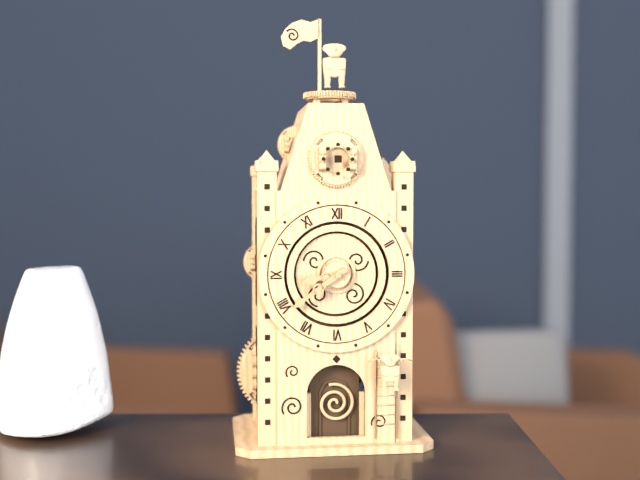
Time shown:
{"hour": 8, "minute": 39}
